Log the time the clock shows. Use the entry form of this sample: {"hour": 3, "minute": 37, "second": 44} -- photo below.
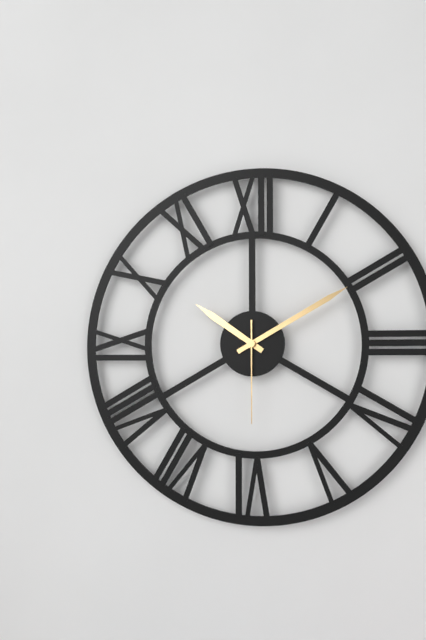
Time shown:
{"hour": 10, "minute": 10, "second": 30}
